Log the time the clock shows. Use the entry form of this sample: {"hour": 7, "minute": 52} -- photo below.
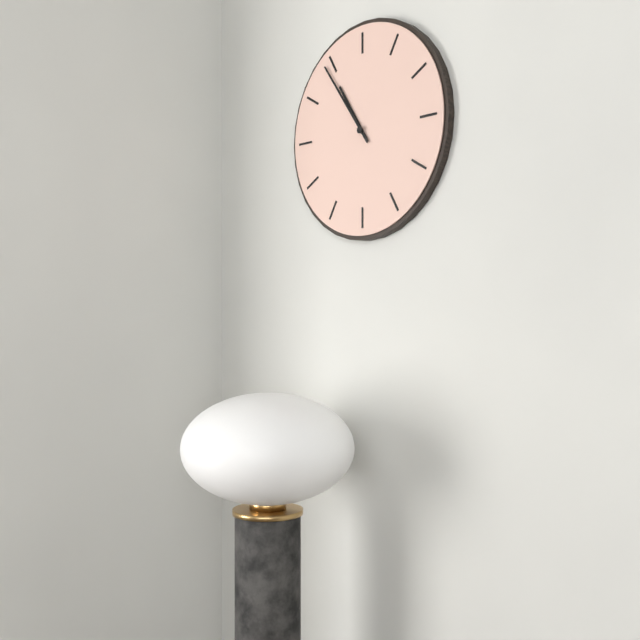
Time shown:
{"hour": 10, "minute": 54}
